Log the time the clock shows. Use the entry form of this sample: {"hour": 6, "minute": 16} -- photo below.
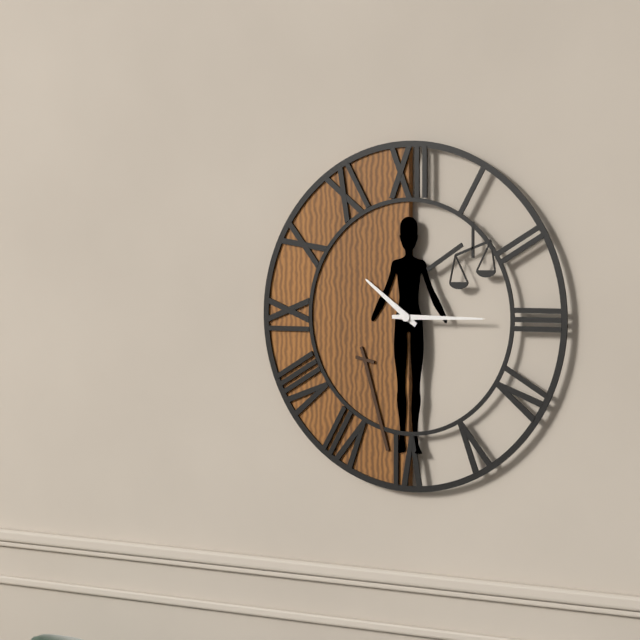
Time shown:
{"hour": 10, "minute": 15}
